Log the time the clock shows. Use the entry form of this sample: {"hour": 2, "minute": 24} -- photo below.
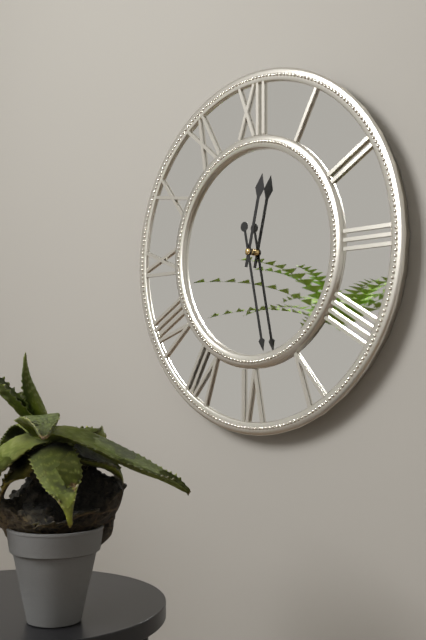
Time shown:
{"hour": 12, "minute": 28}
